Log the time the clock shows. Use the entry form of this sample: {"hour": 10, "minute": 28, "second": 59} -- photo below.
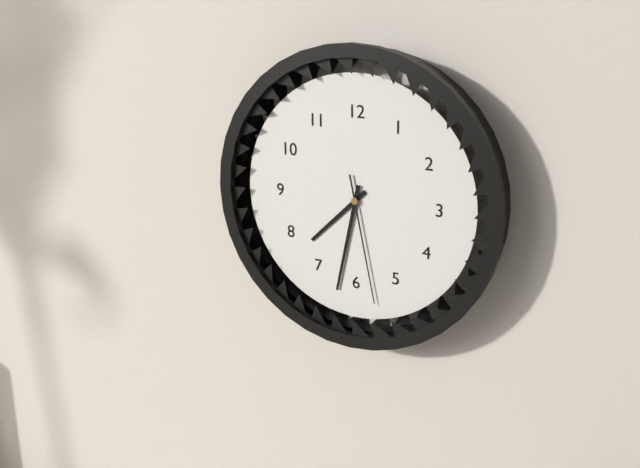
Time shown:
{"hour": 7, "minute": 32, "second": 28}
